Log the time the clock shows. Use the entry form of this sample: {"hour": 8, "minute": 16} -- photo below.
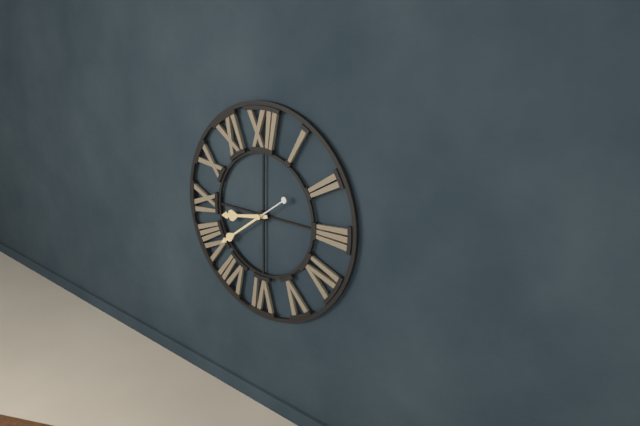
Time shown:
{"hour": 8, "minute": 39}
